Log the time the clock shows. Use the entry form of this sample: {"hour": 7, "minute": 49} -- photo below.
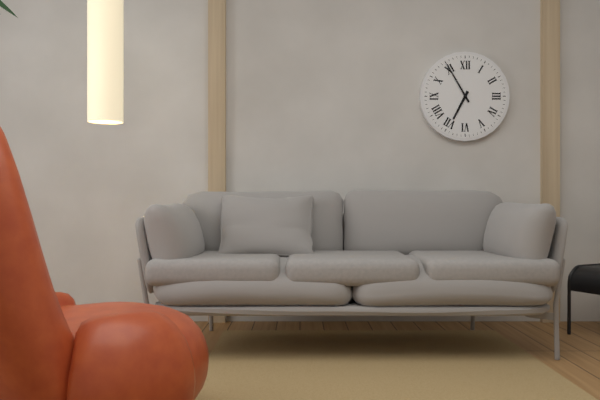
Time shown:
{"hour": 6, "minute": 55}
